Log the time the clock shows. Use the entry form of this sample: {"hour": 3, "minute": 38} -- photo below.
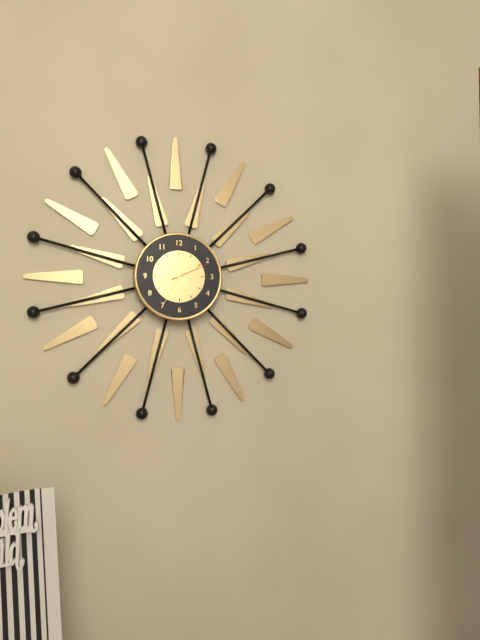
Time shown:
{"hour": 8, "minute": 35}
